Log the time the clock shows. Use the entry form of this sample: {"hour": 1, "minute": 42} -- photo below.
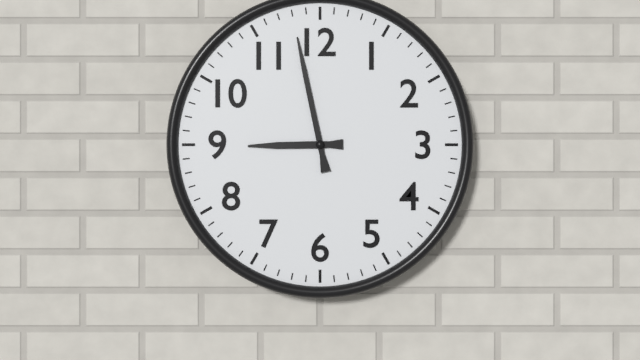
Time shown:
{"hour": 8, "minute": 58}
